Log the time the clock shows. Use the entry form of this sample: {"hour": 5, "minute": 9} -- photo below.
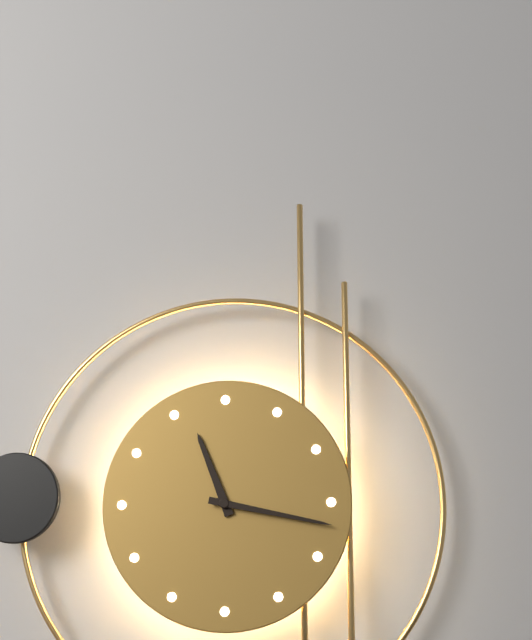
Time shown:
{"hour": 11, "minute": 17}
